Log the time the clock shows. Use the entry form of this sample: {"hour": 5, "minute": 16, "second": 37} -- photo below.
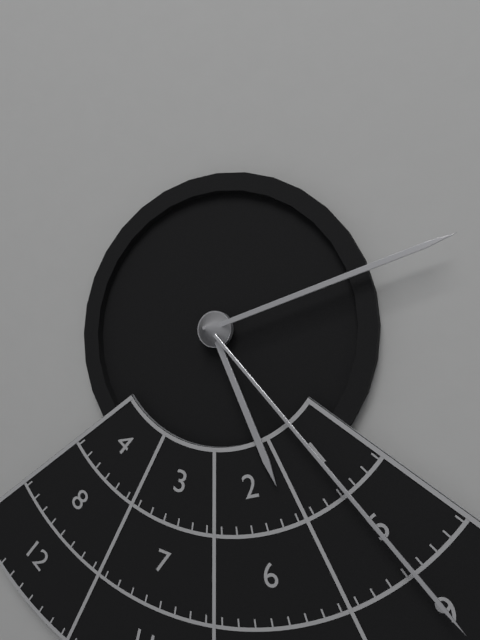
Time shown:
{"hour": 5, "minute": 12, "second": 23}
